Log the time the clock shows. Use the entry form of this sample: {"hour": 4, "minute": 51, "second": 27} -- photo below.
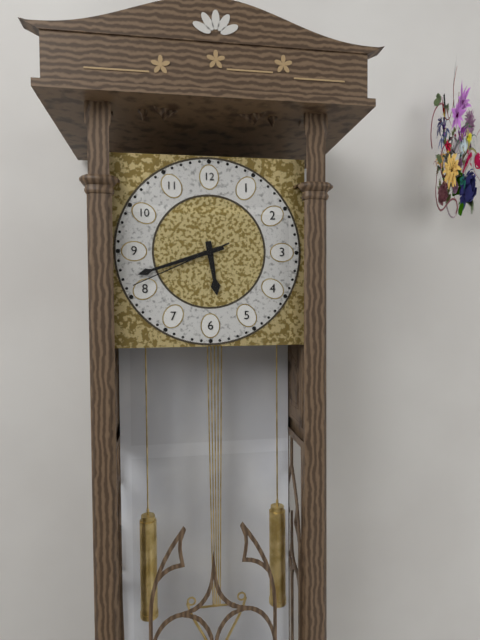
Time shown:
{"hour": 5, "minute": 42, "second": 41}
